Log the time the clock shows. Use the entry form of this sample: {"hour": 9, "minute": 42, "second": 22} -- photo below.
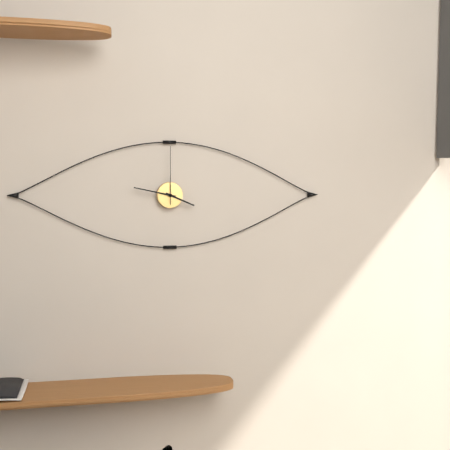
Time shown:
{"hour": 3, "minute": 47, "second": 0}
